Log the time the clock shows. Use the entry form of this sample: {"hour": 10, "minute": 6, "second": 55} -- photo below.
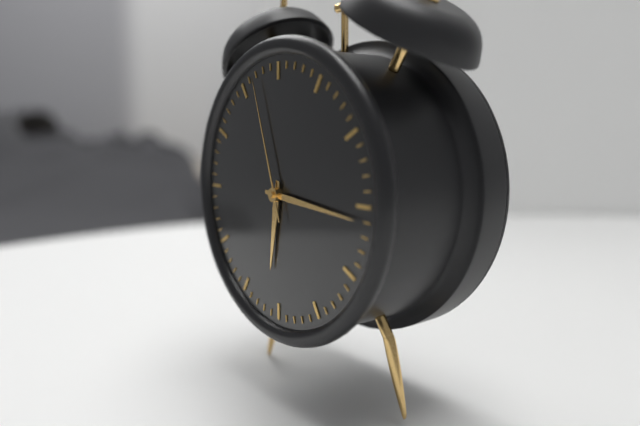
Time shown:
{"hour": 6, "minute": 16, "second": 57}
